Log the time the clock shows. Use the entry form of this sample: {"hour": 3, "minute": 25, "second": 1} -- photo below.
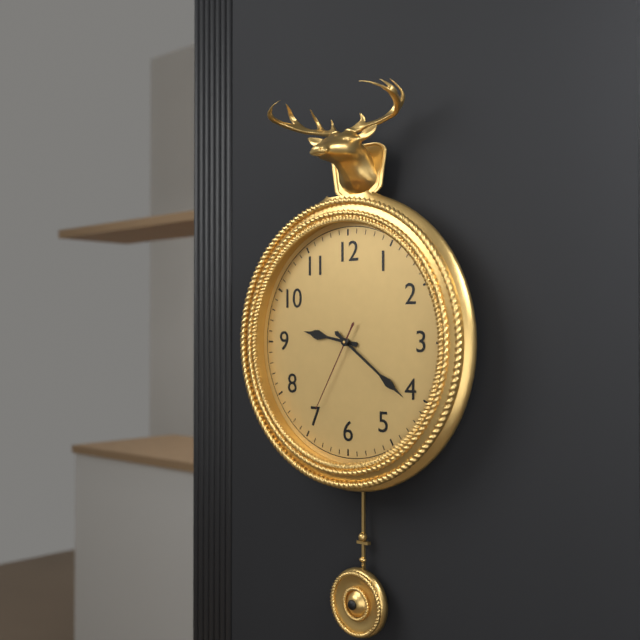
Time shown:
{"hour": 9, "minute": 21, "second": 35}
